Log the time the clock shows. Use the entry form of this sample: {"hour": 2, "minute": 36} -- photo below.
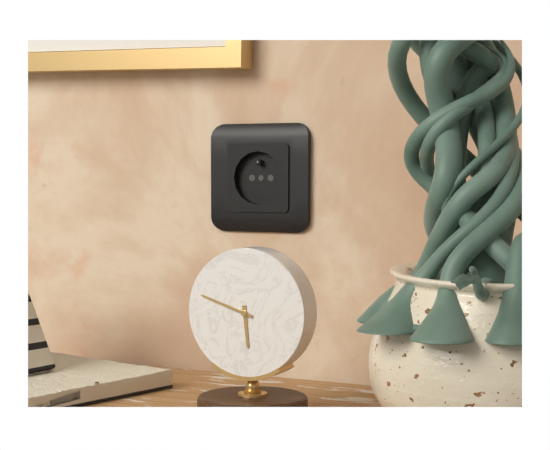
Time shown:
{"hour": 5, "minute": 48}
